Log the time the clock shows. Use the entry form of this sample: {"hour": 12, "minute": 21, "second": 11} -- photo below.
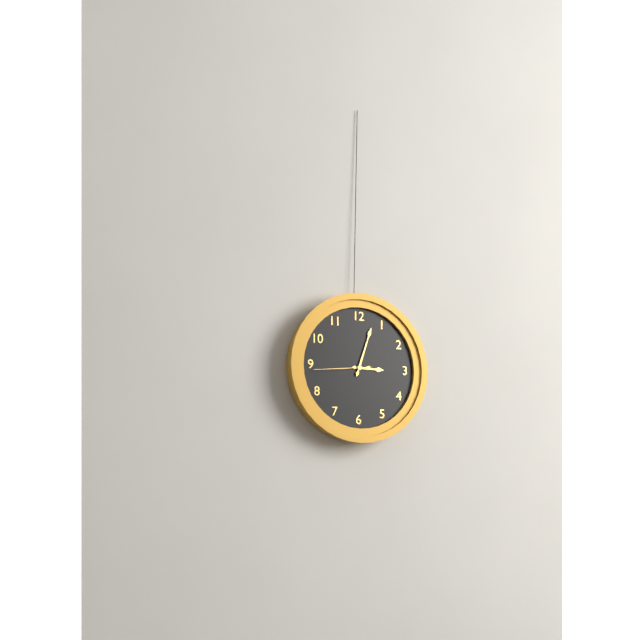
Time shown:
{"hour": 3, "minute": 3, "second": 44}
